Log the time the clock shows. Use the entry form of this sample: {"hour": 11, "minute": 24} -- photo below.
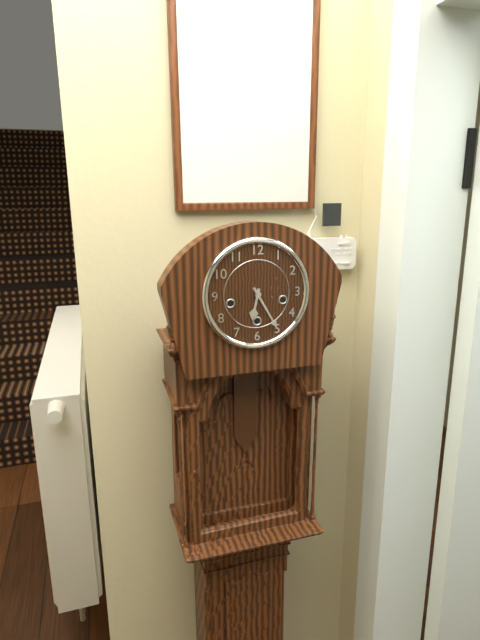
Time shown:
{"hour": 6, "minute": 25}
